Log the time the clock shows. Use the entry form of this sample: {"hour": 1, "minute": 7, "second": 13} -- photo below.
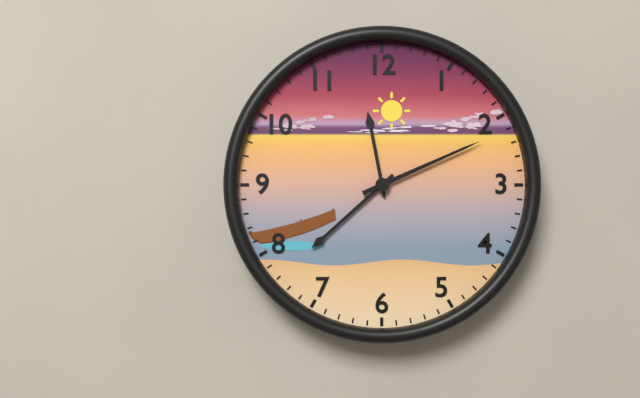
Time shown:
{"hour": 11, "minute": 38, "second": 11}
